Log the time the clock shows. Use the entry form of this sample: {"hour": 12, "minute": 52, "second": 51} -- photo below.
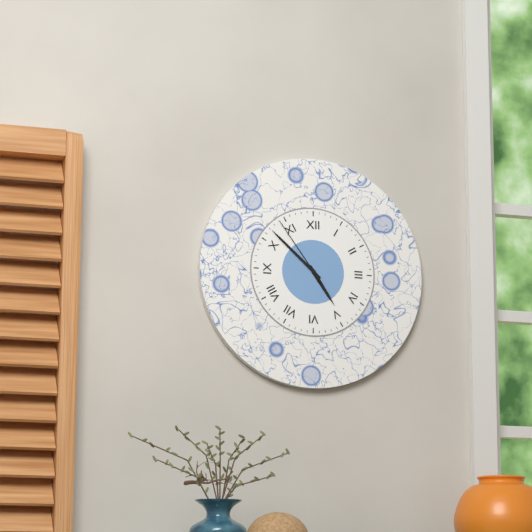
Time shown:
{"hour": 4, "minute": 52, "second": 54}
